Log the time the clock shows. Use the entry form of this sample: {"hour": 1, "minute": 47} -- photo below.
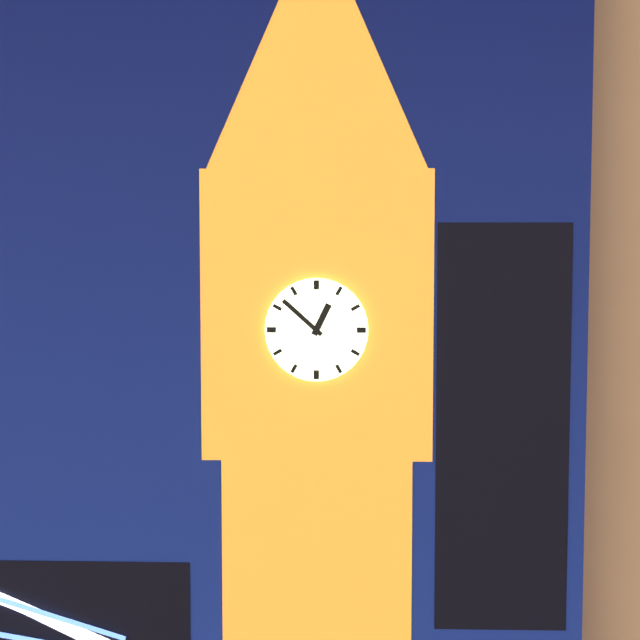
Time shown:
{"hour": 12, "minute": 52}
